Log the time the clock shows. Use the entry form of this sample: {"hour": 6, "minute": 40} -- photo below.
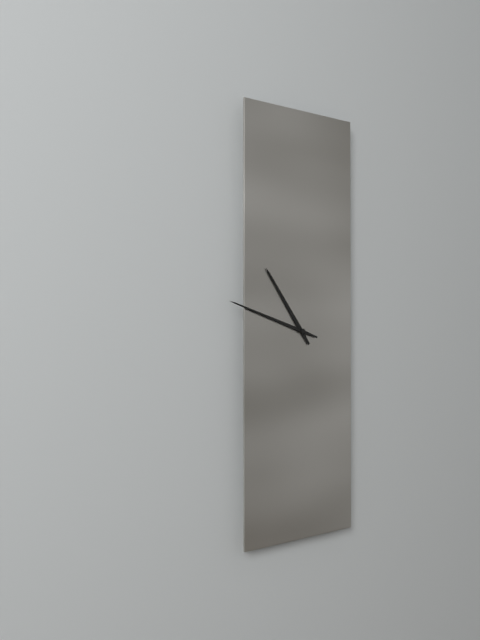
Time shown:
{"hour": 10, "minute": 48}
